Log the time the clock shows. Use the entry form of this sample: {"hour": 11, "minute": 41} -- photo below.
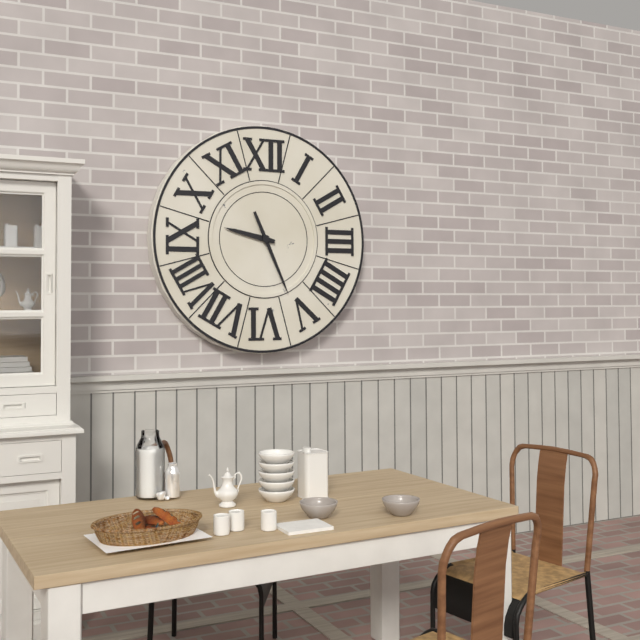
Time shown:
{"hour": 9, "minute": 26}
